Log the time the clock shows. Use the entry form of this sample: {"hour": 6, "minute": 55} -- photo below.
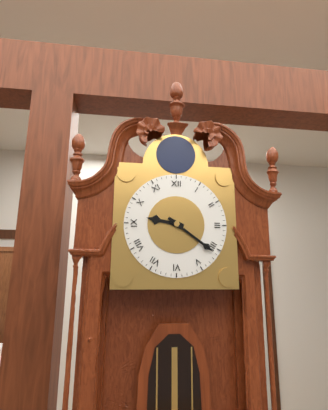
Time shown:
{"hour": 9, "minute": 21}
